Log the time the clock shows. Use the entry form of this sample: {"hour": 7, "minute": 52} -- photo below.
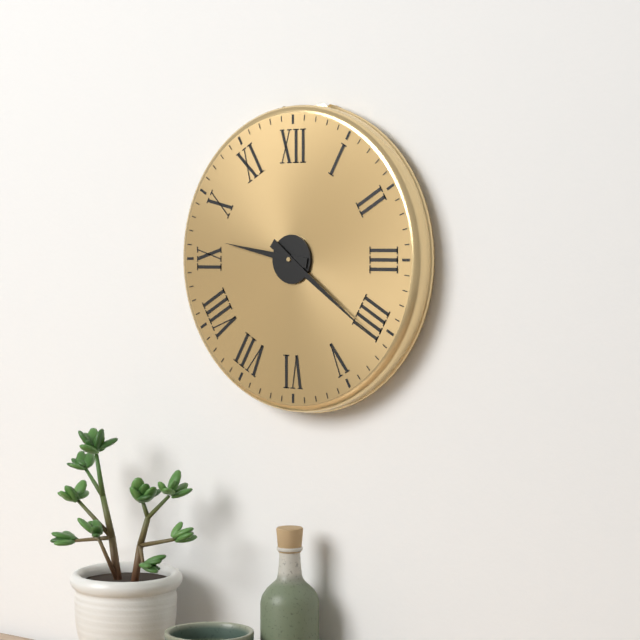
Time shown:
{"hour": 9, "minute": 21}
